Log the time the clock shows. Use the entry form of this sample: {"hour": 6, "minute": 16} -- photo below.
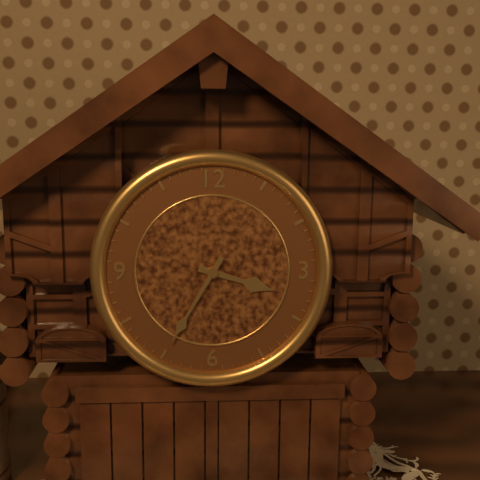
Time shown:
{"hour": 3, "minute": 35}
